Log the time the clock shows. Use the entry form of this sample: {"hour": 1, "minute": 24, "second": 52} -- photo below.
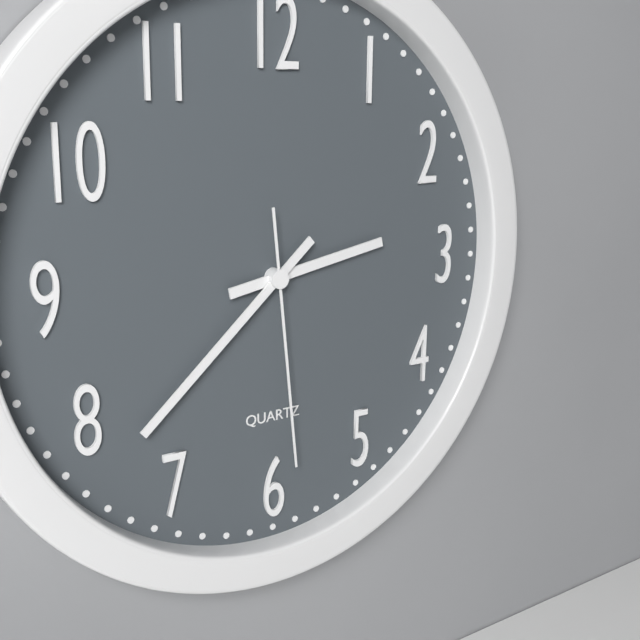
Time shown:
{"hour": 2, "minute": 38, "second": 29}
